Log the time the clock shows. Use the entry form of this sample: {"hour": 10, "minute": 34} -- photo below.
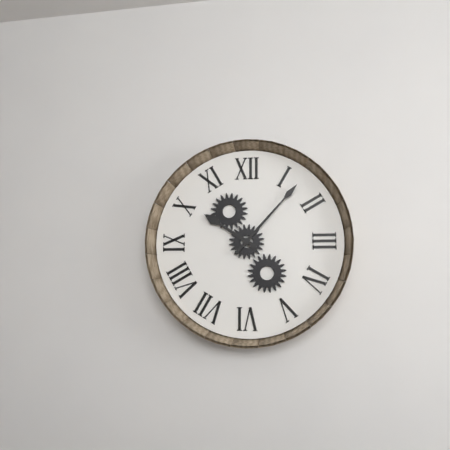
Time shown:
{"hour": 10, "minute": 7}
